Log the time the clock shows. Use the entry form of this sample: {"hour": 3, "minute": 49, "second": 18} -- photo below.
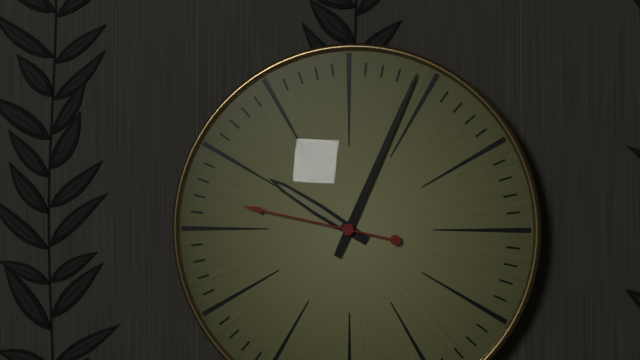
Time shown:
{"hour": 10, "minute": 4, "second": 47}
